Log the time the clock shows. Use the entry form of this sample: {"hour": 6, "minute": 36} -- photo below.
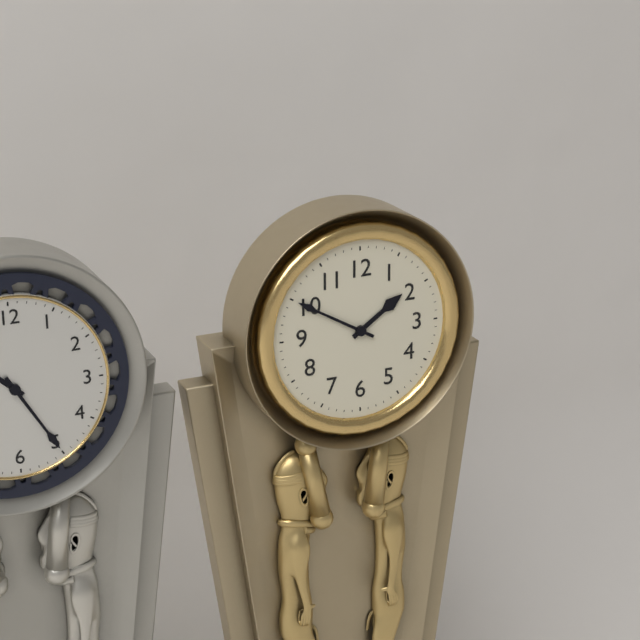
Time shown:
{"hour": 1, "minute": 50}
